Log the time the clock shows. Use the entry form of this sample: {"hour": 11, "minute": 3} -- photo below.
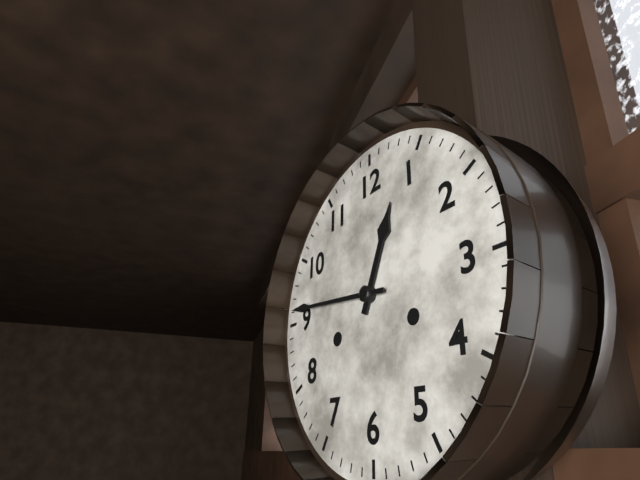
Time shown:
{"hour": 12, "minute": 46}
